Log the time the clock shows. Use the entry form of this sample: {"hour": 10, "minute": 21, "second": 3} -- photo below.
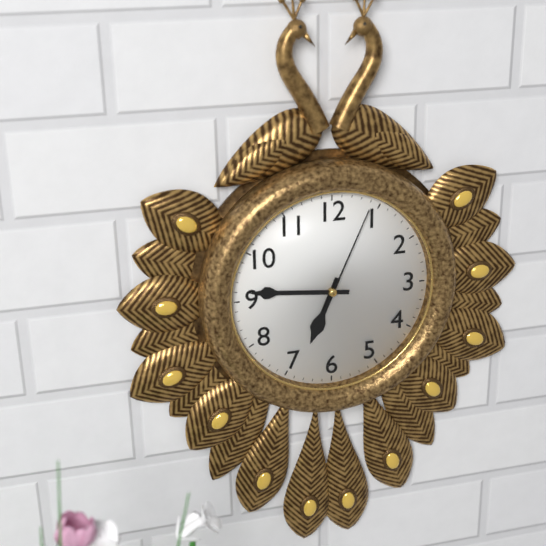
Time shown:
{"hour": 6, "minute": 46, "second": 4}
